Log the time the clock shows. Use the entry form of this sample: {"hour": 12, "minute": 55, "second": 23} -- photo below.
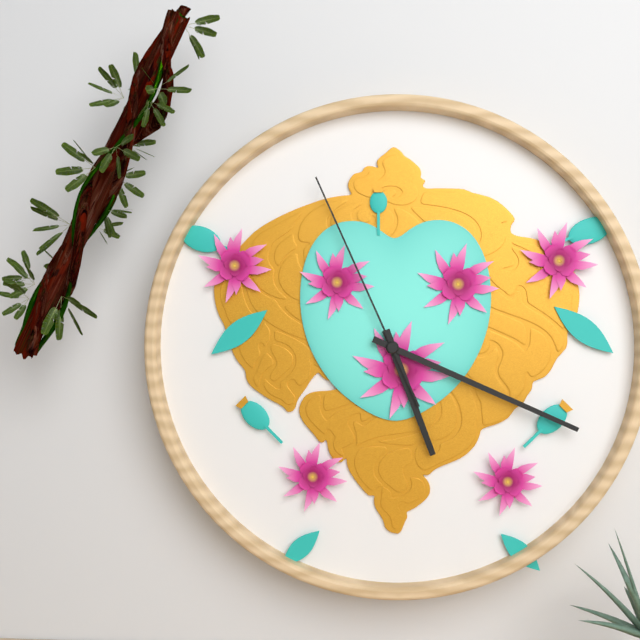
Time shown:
{"hour": 5, "minute": 19, "second": 56}
